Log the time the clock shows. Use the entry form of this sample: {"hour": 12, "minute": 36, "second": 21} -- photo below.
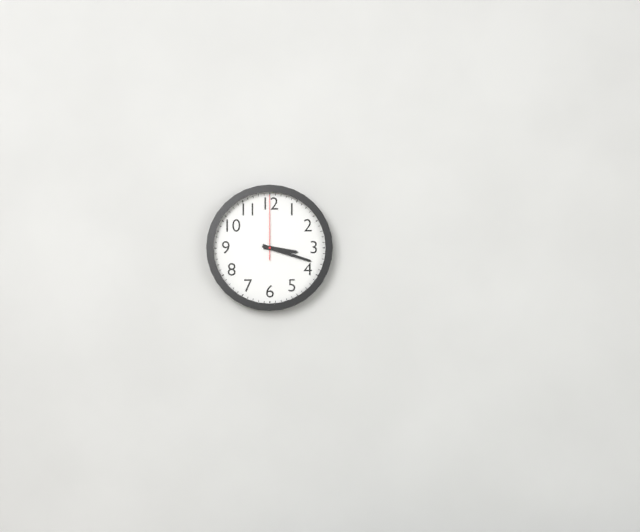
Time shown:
{"hour": 3, "minute": 18, "second": 0}
